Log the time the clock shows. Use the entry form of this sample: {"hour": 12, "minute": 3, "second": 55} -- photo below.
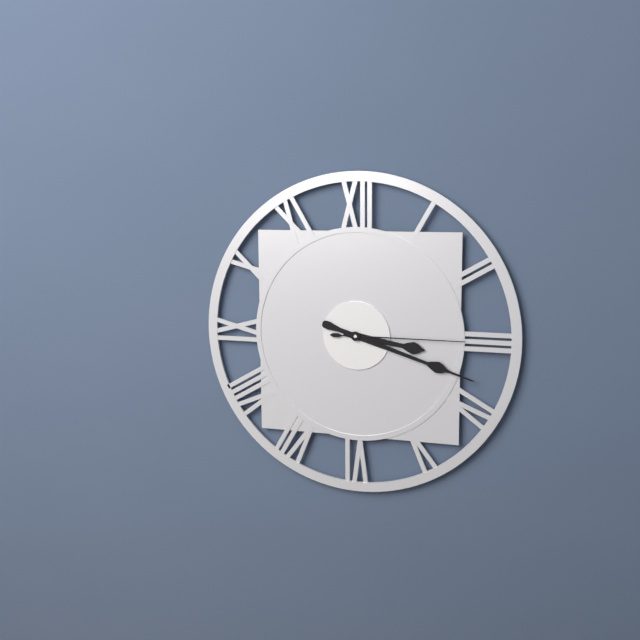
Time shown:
{"hour": 3, "minute": 18, "second": 15}
